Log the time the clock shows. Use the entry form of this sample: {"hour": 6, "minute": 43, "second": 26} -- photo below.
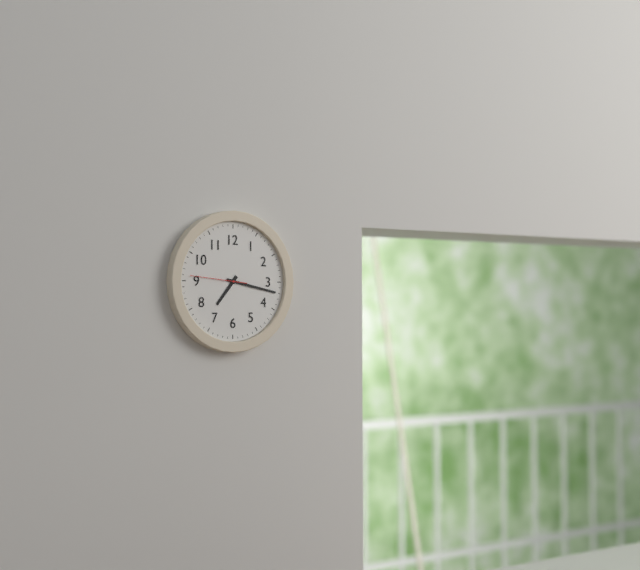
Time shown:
{"hour": 7, "minute": 17, "second": 46}
